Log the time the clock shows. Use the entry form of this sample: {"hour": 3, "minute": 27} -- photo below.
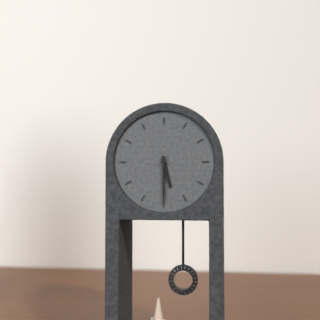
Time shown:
{"hour": 5, "minute": 30}
